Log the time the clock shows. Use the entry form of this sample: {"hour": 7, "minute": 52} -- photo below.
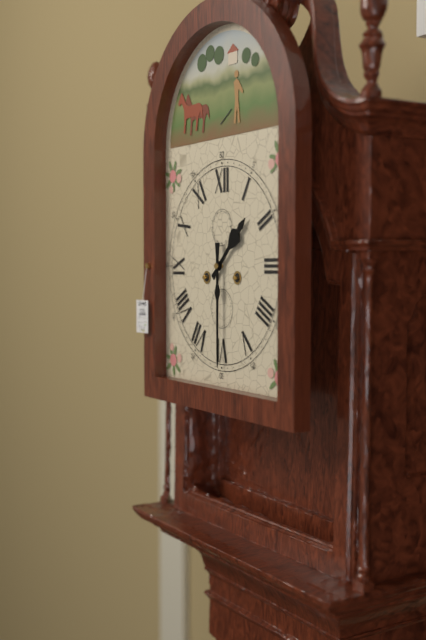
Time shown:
{"hour": 1, "minute": 30}
